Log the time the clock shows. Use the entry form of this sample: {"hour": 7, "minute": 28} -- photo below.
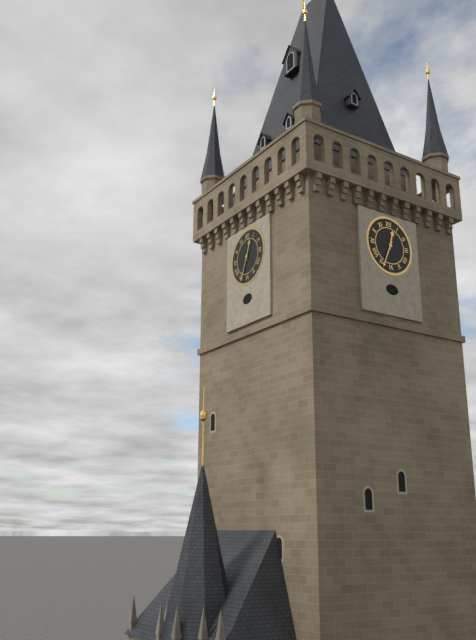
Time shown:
{"hour": 12, "minute": 34}
